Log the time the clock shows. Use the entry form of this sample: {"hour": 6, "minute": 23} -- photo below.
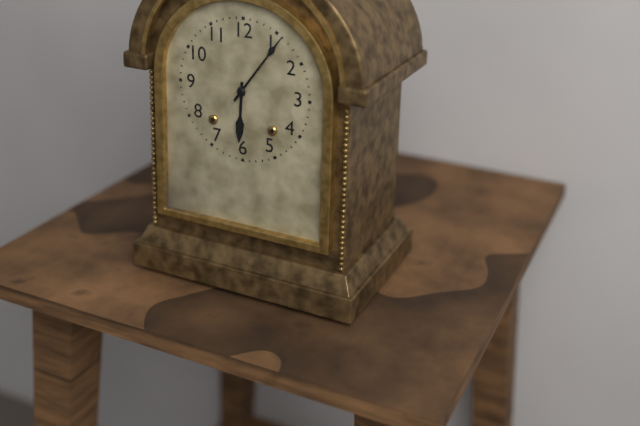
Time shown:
{"hour": 6, "minute": 6}
